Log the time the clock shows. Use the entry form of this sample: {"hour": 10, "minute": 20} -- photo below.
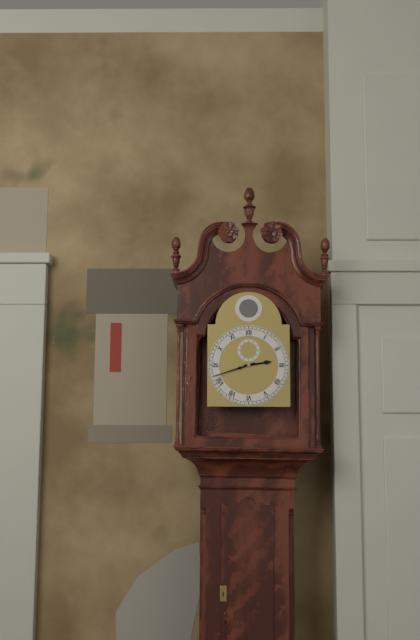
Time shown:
{"hour": 2, "minute": 42}
